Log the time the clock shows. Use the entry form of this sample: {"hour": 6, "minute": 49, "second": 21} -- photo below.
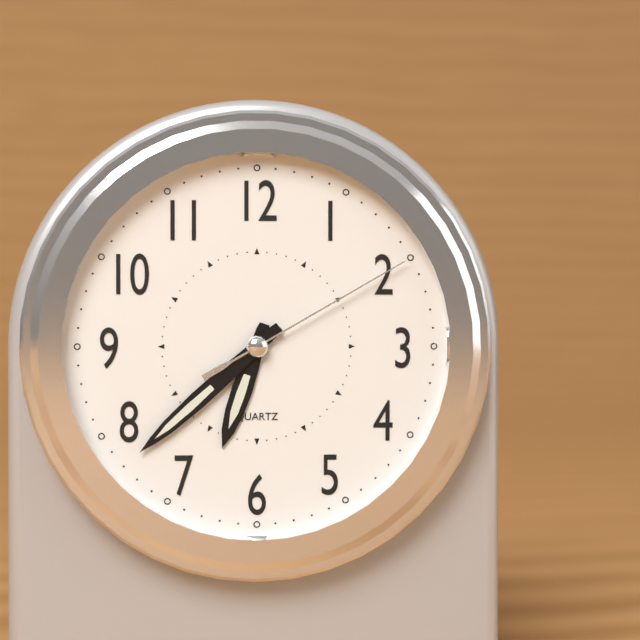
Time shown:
{"hour": 6, "minute": 38, "second": 10}
